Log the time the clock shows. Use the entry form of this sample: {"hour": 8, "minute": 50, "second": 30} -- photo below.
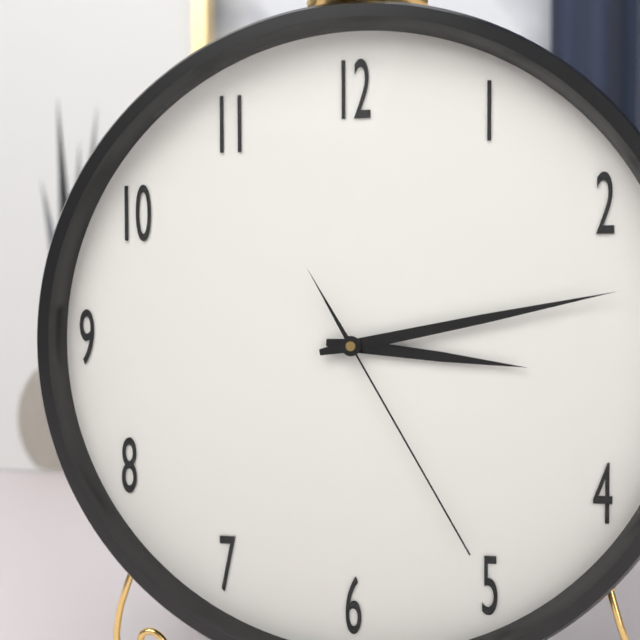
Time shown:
{"hour": 3, "minute": 13, "second": 25}
